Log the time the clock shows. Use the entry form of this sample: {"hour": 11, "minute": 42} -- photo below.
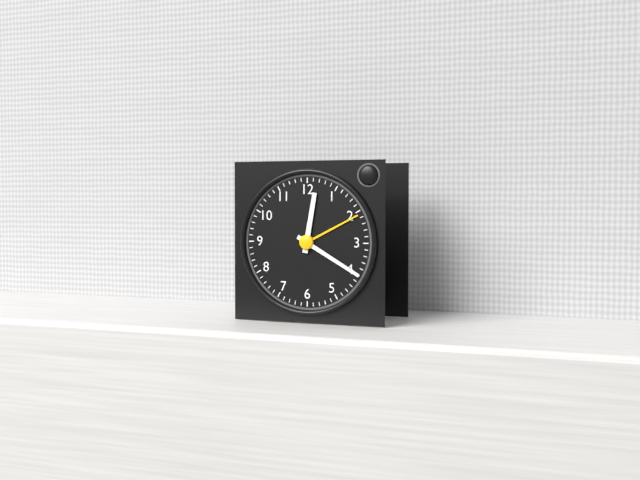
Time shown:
{"hour": 12, "minute": 20}
